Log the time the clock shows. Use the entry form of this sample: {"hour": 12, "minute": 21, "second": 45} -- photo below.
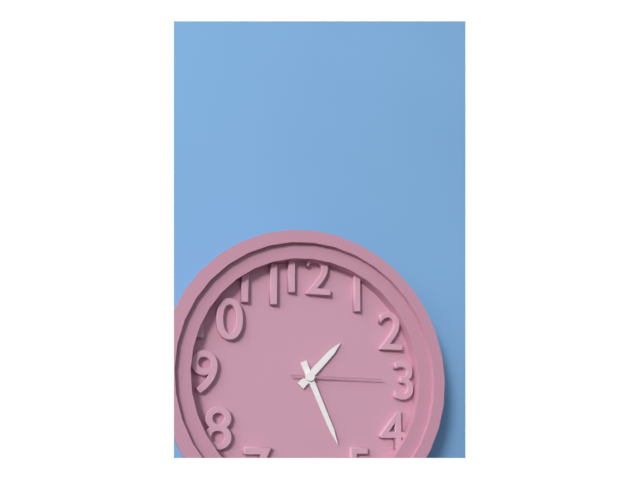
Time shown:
{"hour": 1, "minute": 26, "second": 15}
